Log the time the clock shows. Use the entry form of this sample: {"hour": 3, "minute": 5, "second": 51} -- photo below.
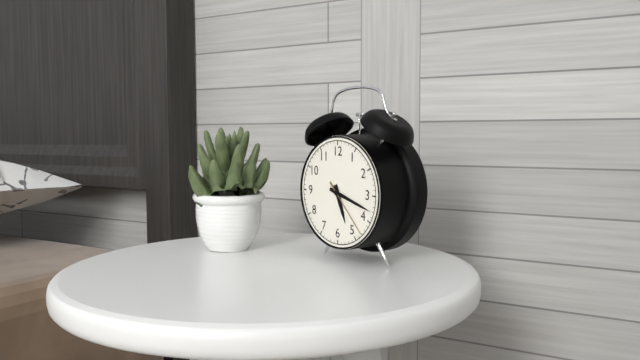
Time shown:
{"hour": 5, "minute": 18, "second": 23}
